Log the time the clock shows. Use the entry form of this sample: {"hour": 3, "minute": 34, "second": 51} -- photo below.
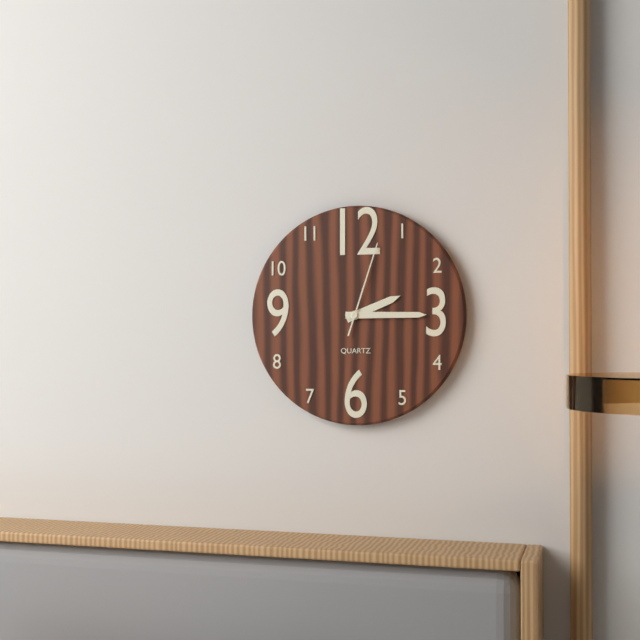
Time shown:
{"hour": 2, "minute": 15, "second": 3}
